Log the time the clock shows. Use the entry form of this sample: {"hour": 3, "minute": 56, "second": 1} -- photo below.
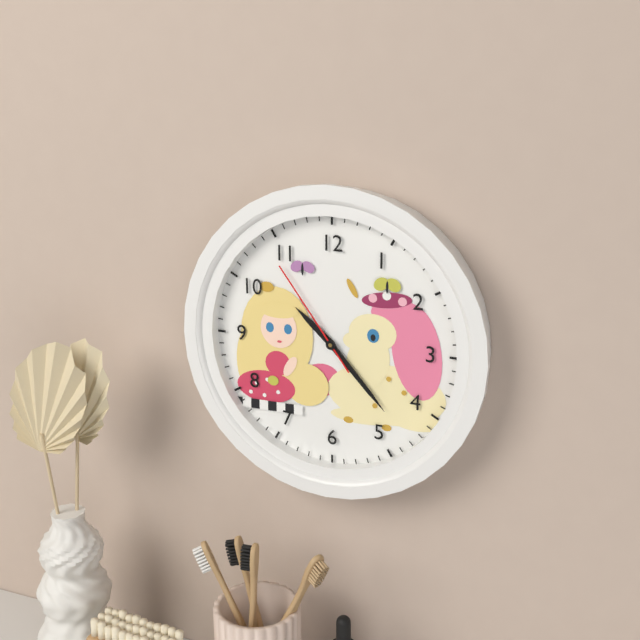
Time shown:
{"hour": 10, "minute": 23, "second": 54}
